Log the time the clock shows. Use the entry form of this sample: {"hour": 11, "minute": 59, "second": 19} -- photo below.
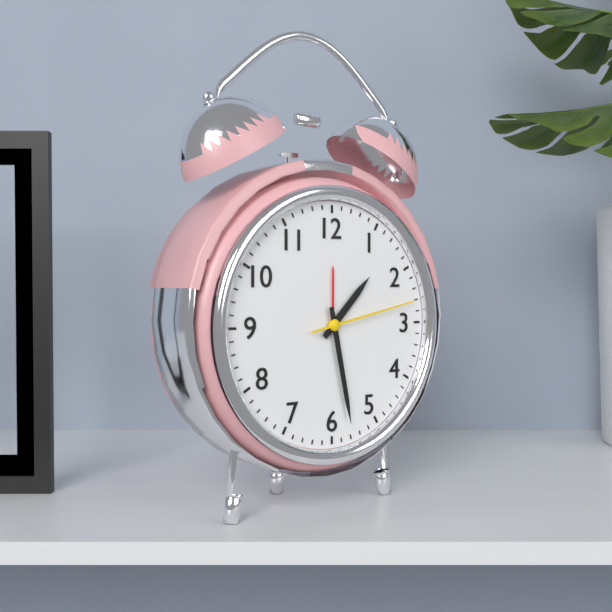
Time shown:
{"hour": 1, "minute": 28, "second": 13}
